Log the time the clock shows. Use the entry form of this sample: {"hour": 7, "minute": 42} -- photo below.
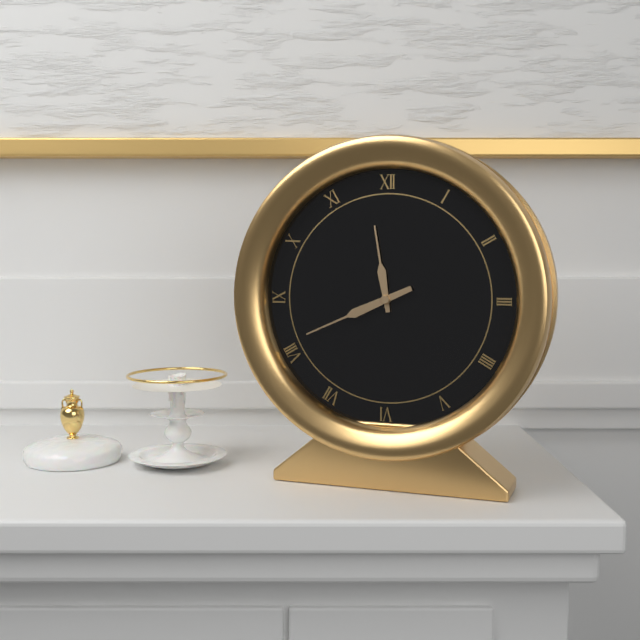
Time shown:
{"hour": 11, "minute": 41}
